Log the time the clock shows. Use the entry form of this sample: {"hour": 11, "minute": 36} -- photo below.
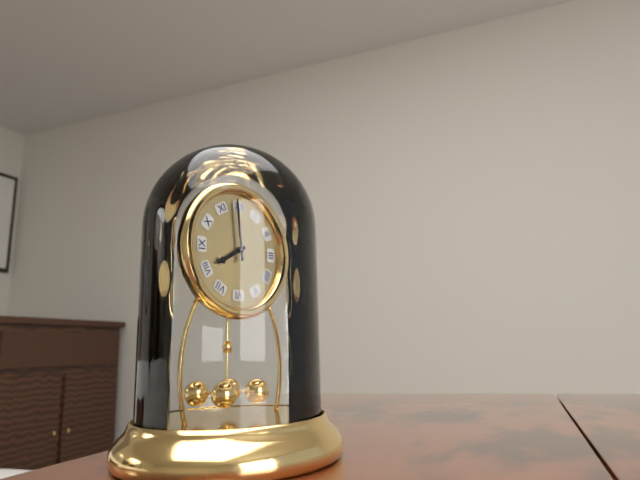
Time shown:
{"hour": 7, "minute": 59}
